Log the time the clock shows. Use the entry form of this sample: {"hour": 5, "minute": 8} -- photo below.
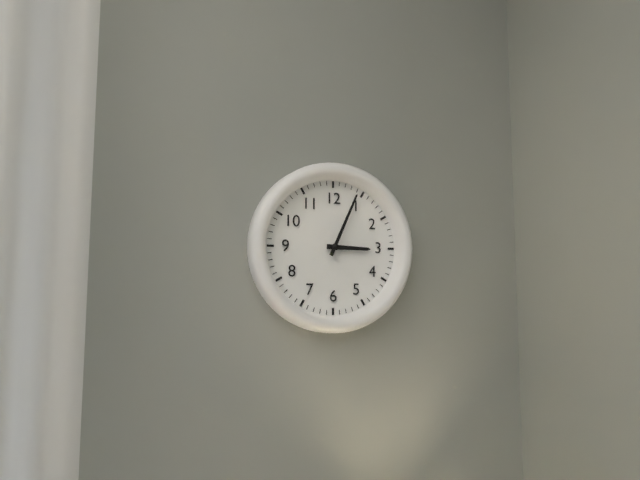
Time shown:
{"hour": 3, "minute": 4}
